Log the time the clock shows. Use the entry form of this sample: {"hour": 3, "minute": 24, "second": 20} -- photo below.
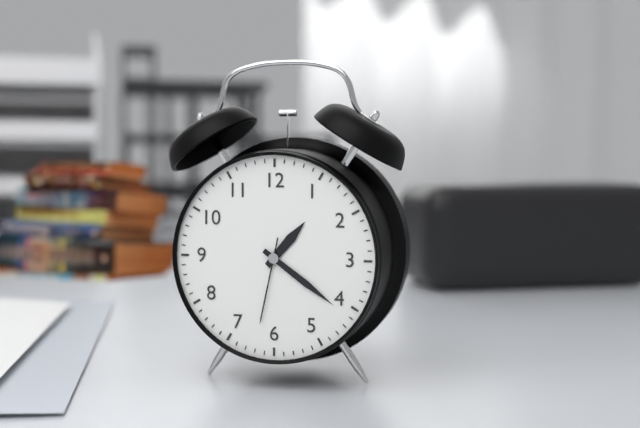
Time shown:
{"hour": 1, "minute": 21, "second": 32}
